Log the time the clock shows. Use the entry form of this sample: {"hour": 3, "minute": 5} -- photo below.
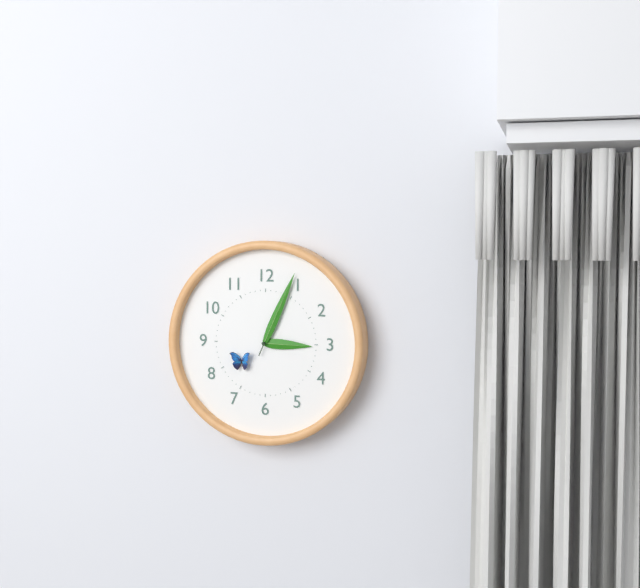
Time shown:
{"hour": 3, "minute": 4}
